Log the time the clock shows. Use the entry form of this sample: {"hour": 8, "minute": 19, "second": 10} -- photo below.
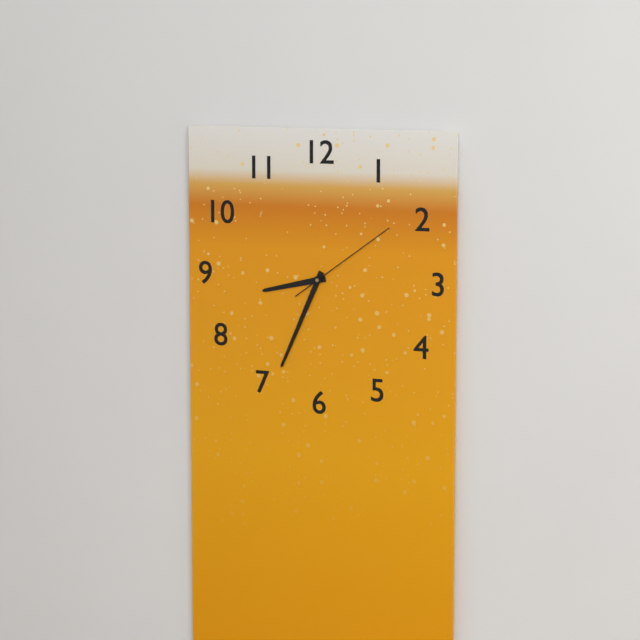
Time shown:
{"hour": 8, "minute": 34, "second": 9}
